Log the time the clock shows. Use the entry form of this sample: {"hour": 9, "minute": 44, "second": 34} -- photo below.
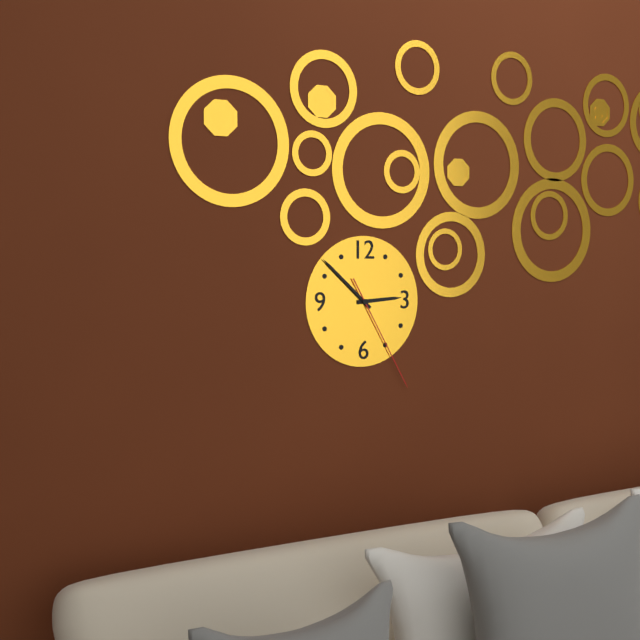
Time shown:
{"hour": 2, "minute": 52, "second": 25}
